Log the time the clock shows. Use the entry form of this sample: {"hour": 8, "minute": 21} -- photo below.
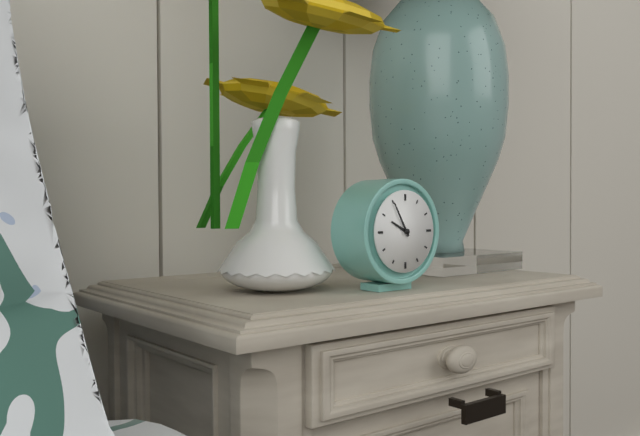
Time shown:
{"hour": 9, "minute": 55}
